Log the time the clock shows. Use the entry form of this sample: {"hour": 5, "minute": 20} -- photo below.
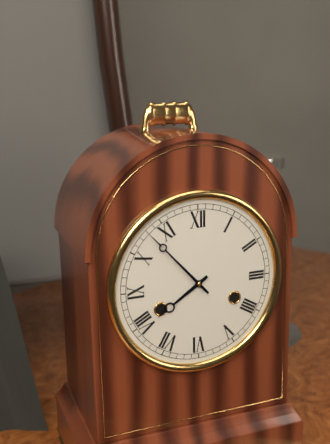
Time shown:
{"hour": 7, "minute": 53}
